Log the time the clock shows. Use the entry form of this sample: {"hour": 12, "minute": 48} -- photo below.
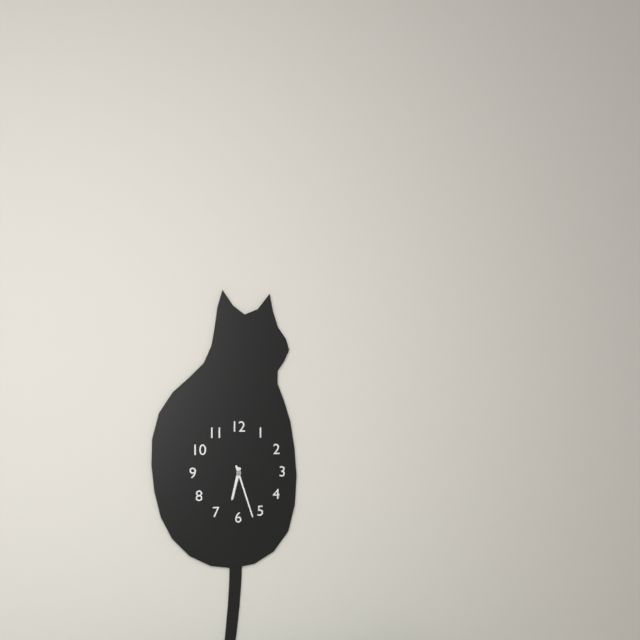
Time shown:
{"hour": 6, "minute": 27}
